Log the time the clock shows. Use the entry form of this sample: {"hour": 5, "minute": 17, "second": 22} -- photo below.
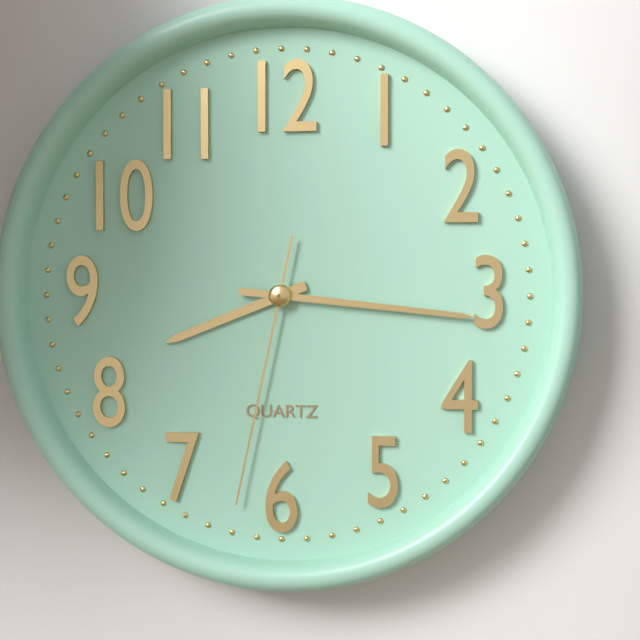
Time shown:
{"hour": 8, "minute": 16, "second": 32}
